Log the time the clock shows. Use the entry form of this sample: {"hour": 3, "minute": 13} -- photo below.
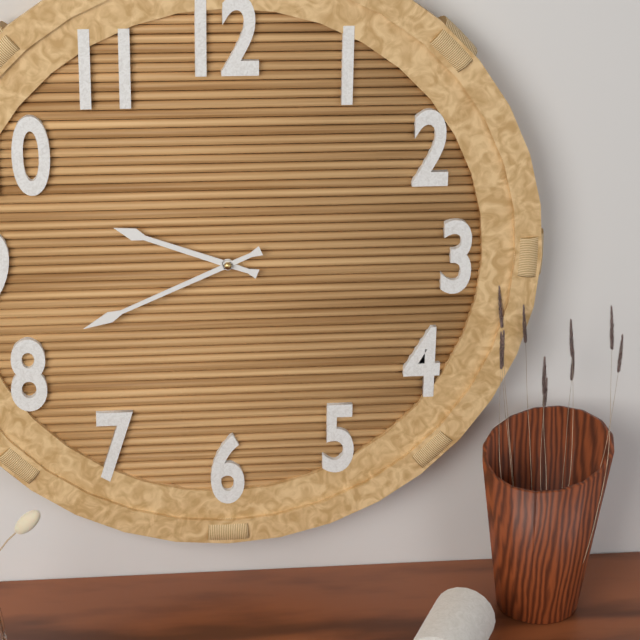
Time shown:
{"hour": 9, "minute": 41}
